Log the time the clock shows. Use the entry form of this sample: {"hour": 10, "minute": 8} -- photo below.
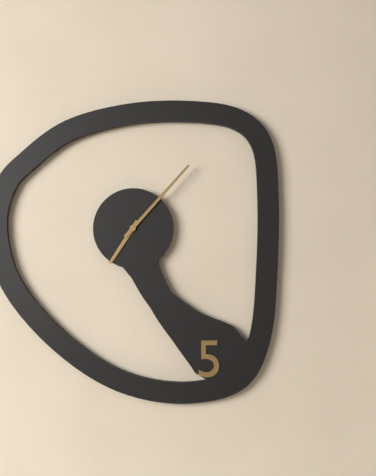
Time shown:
{"hour": 7, "minute": 7}
